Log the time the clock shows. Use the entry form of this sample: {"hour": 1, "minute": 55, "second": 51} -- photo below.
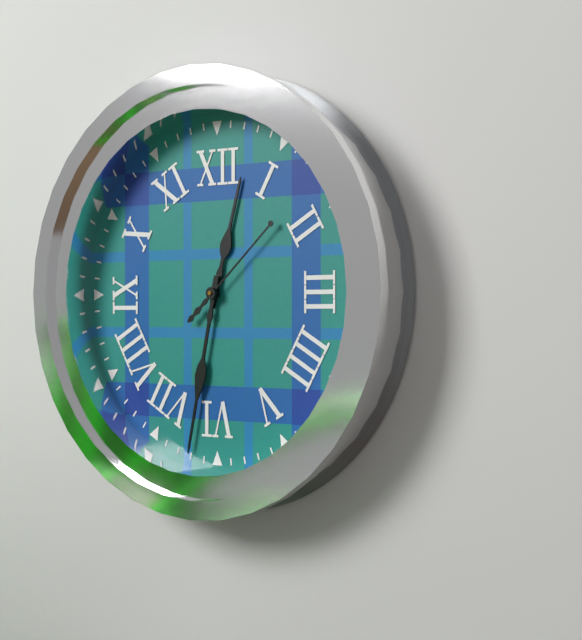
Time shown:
{"hour": 12, "minute": 32, "second": 8}
